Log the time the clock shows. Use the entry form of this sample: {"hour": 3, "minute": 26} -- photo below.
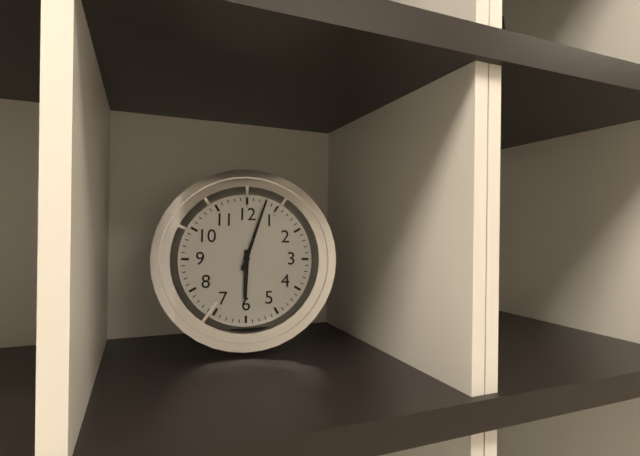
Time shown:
{"hour": 6, "minute": 3}
